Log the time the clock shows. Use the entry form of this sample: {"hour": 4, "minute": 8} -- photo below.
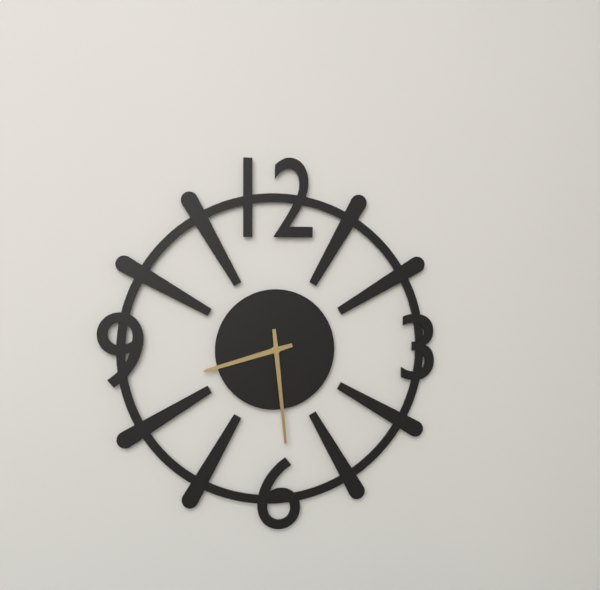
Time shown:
{"hour": 8, "minute": 29}
